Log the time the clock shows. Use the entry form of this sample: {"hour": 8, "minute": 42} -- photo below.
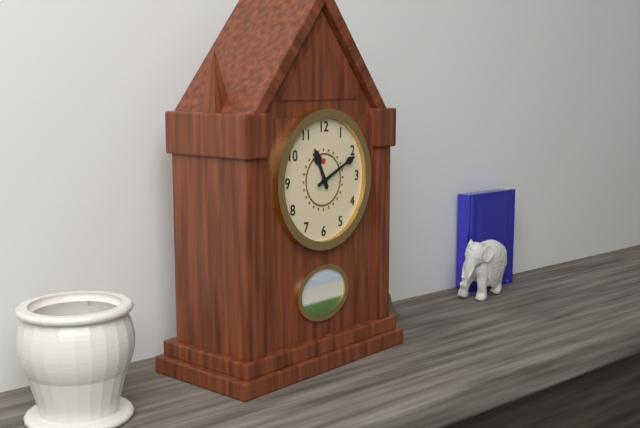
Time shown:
{"hour": 11, "minute": 11}
